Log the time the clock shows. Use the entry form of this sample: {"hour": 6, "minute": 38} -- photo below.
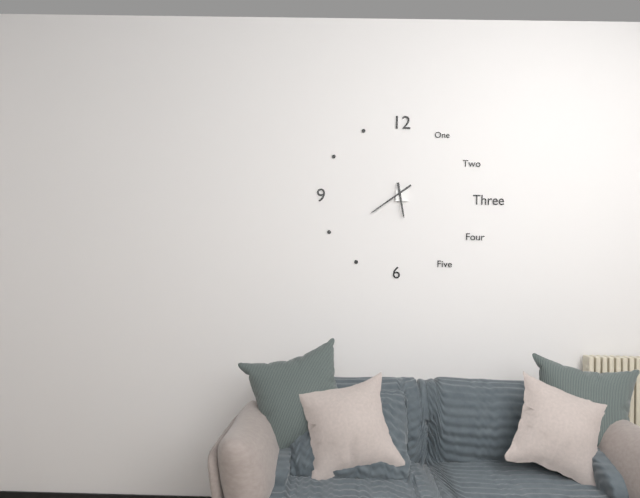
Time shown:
{"hour": 5, "minute": 39}
